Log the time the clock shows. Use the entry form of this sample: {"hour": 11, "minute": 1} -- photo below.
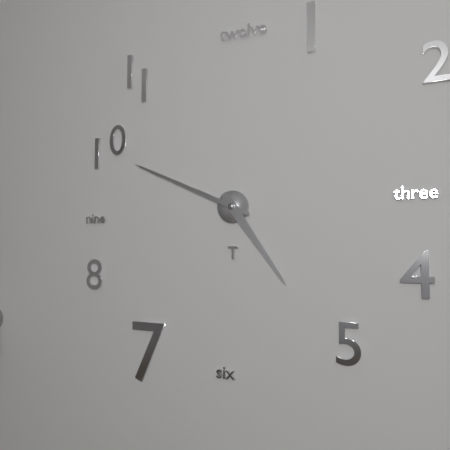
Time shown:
{"hour": 4, "minute": 49}
